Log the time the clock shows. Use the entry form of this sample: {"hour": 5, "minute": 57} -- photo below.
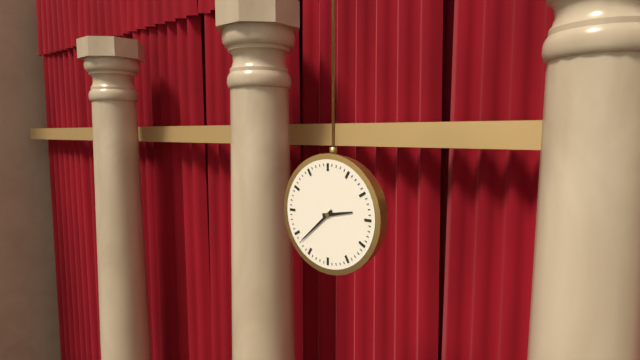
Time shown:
{"hour": 2, "minute": 38}
